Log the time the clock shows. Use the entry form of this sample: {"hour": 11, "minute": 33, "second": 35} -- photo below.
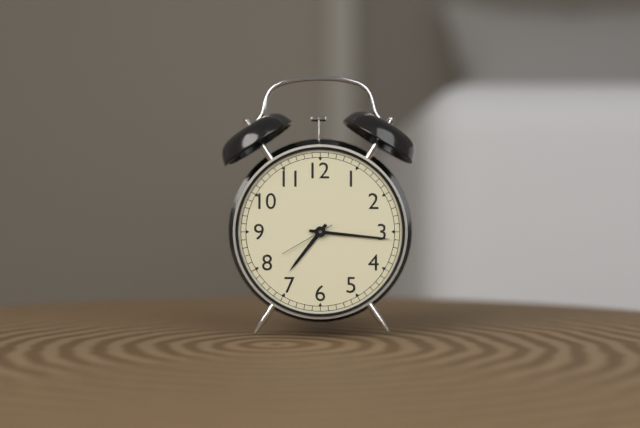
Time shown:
{"hour": 7, "minute": 16, "second": 40}
